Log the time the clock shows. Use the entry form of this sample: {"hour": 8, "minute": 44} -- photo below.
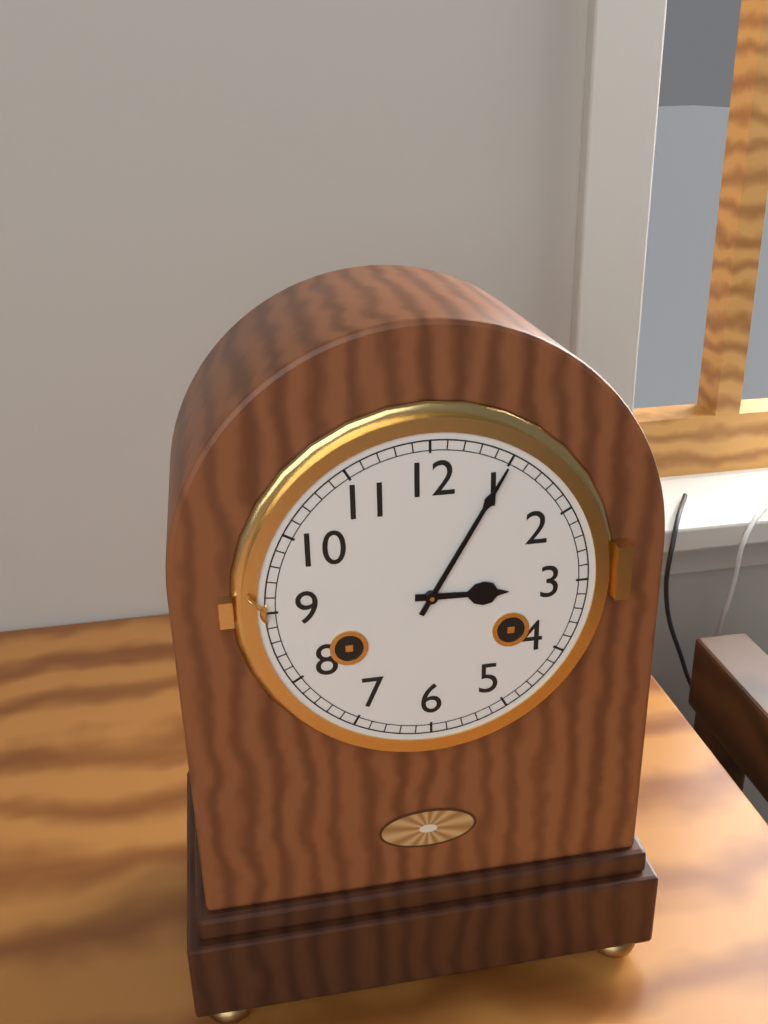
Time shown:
{"hour": 3, "minute": 5}
